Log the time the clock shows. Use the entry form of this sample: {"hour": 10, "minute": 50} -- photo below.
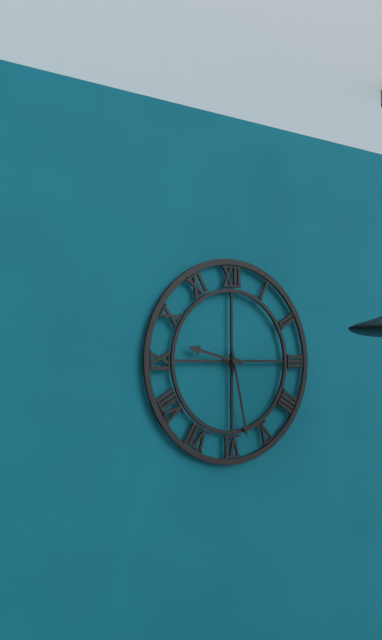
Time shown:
{"hour": 9, "minute": 28}
